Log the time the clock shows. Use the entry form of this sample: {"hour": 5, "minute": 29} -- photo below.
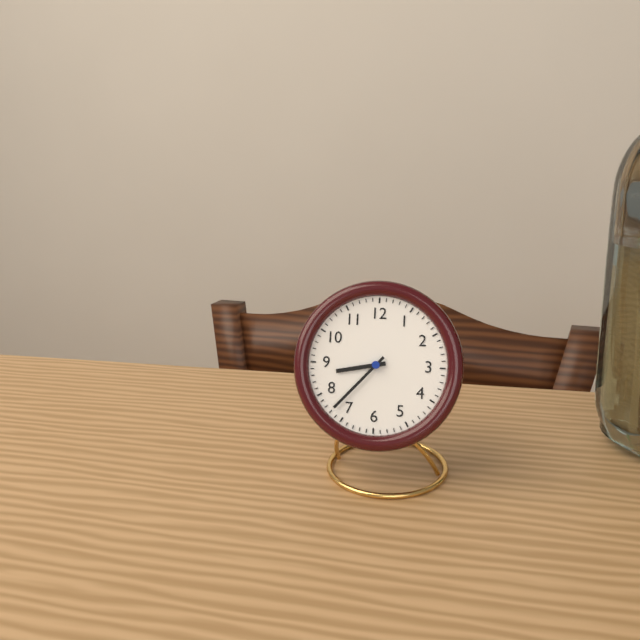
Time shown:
{"hour": 8, "minute": 37}
